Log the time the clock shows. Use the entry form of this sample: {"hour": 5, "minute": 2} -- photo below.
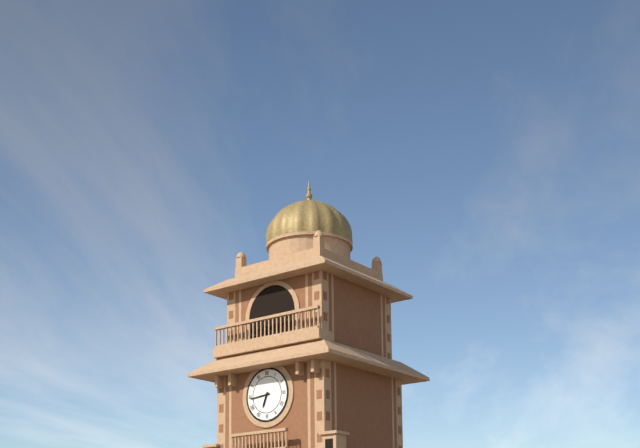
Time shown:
{"hour": 6, "minute": 44}
